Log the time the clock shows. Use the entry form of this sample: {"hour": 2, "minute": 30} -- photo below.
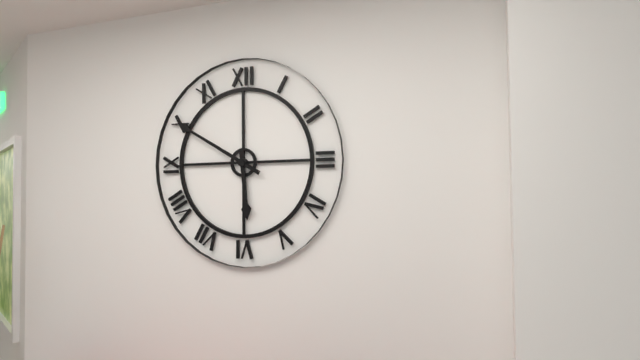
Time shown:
{"hour": 5, "minute": 50}
